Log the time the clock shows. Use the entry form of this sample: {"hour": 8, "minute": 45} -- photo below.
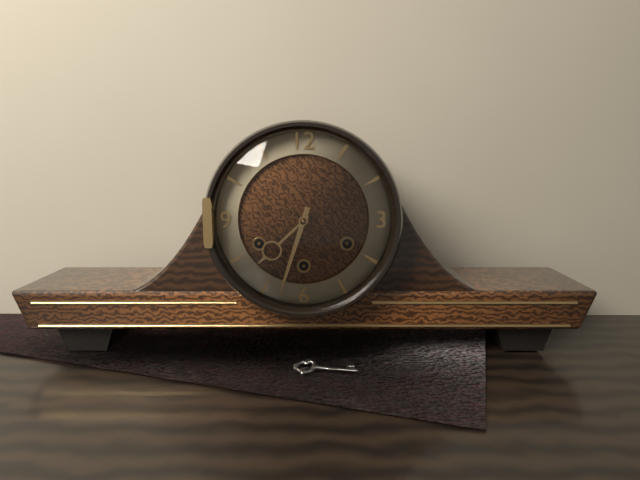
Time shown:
{"hour": 7, "minute": 33}
